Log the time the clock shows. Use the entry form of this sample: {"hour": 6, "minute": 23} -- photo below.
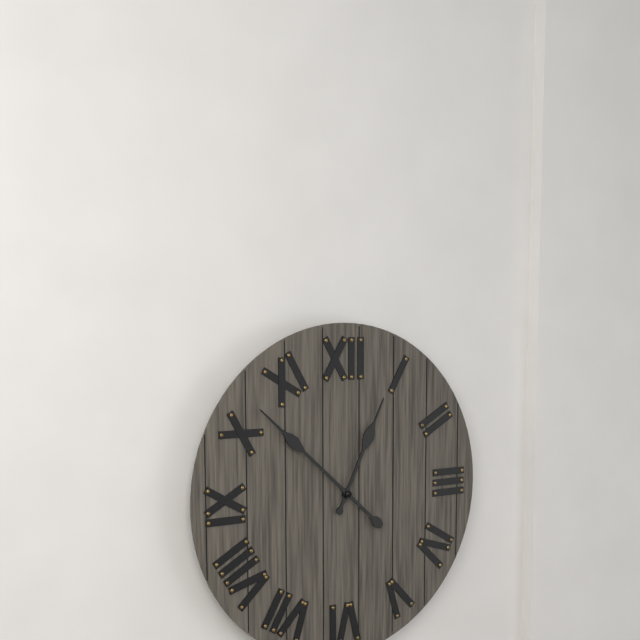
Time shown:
{"hour": 12, "minute": 52}
